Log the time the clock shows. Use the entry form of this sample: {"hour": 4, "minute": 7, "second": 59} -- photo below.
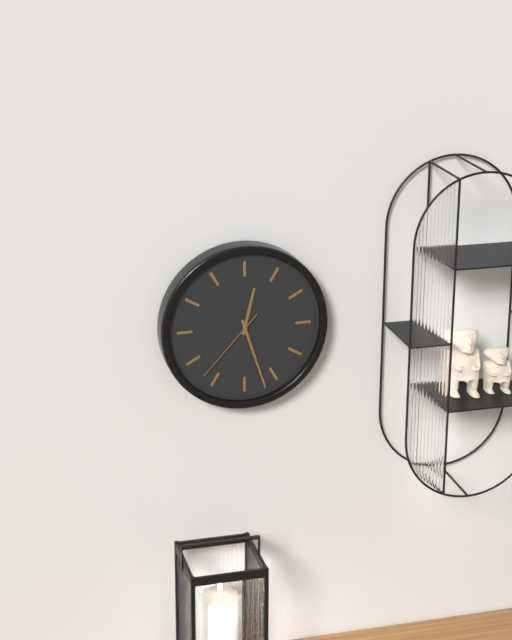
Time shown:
{"hour": 12, "minute": 27, "second": 37}
